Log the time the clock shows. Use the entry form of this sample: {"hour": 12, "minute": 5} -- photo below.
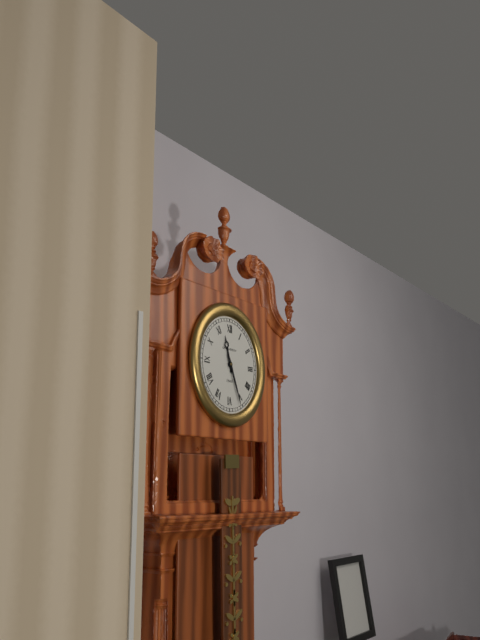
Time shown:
{"hour": 11, "minute": 26}
